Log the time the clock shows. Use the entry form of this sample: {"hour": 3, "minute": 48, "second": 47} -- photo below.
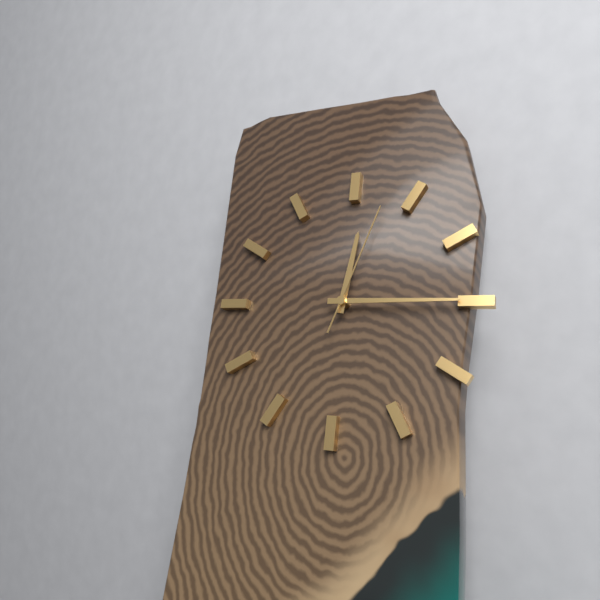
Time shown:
{"hour": 12, "minute": 15, "second": 3}
